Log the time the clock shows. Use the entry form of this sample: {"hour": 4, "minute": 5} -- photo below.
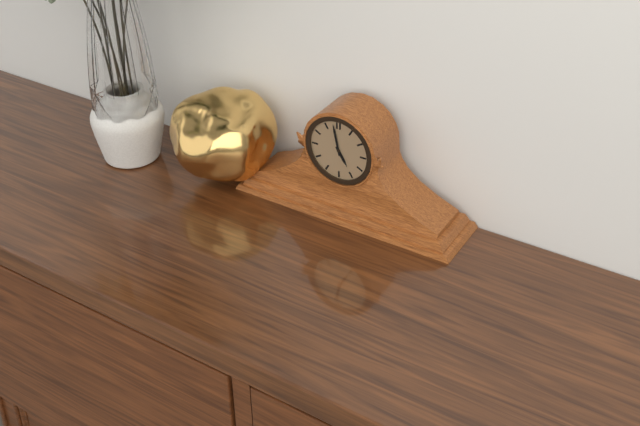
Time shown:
{"hour": 4, "minute": 58}
